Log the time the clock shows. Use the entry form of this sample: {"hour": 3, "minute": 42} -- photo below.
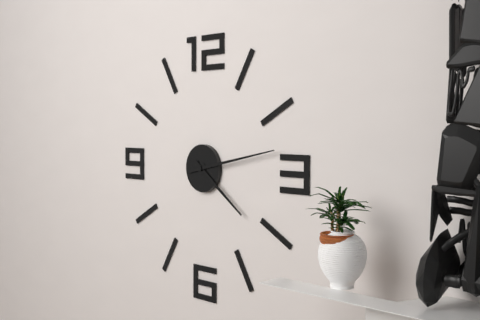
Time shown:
{"hour": 4, "minute": 13}
